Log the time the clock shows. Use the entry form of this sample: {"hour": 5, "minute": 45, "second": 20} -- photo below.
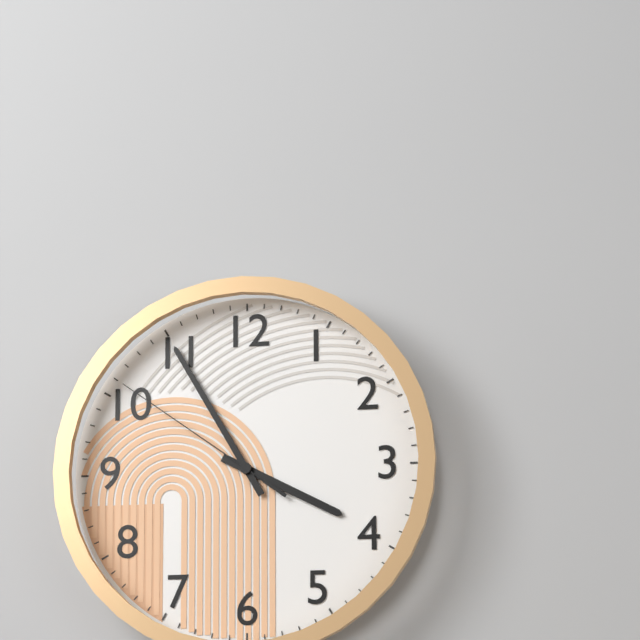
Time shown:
{"hour": 3, "minute": 55, "second": 51}
